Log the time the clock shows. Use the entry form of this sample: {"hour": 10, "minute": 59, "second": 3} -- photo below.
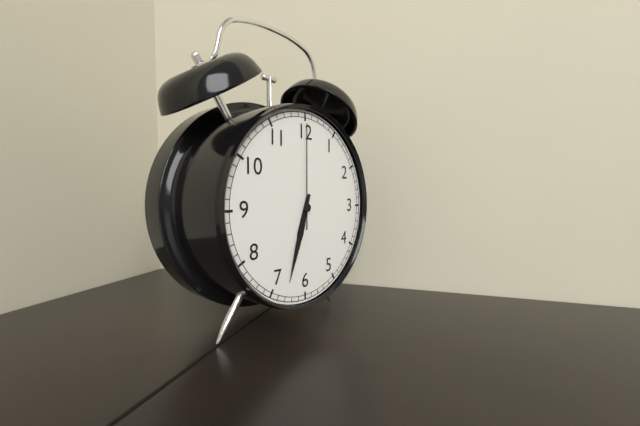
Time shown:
{"hour": 6, "minute": 33, "second": 0}
